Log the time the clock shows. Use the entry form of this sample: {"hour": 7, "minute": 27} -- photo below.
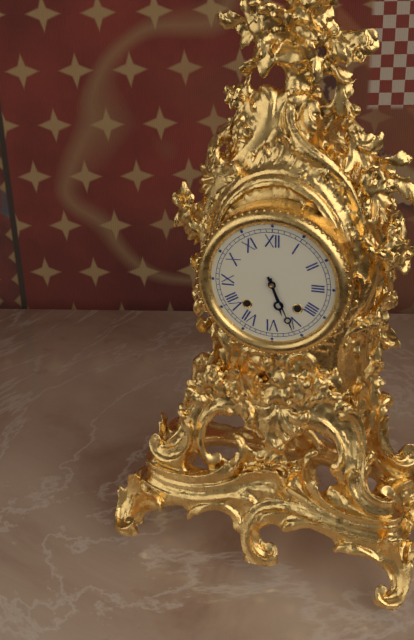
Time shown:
{"hour": 5, "minute": 26}
